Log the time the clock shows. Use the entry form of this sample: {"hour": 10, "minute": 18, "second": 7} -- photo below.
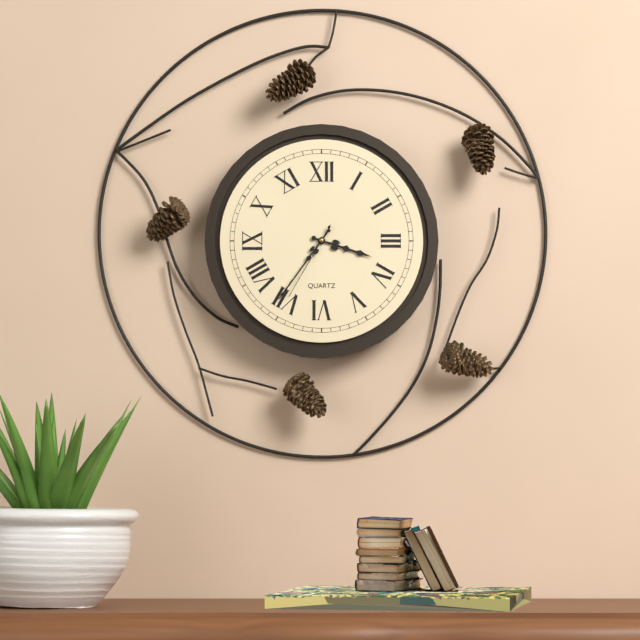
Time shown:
{"hour": 3, "minute": 36, "second": 35}
